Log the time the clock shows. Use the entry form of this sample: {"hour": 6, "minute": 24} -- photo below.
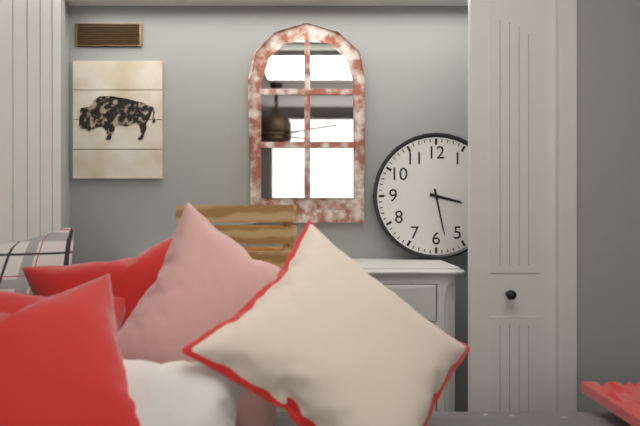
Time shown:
{"hour": 3, "minute": 28}
